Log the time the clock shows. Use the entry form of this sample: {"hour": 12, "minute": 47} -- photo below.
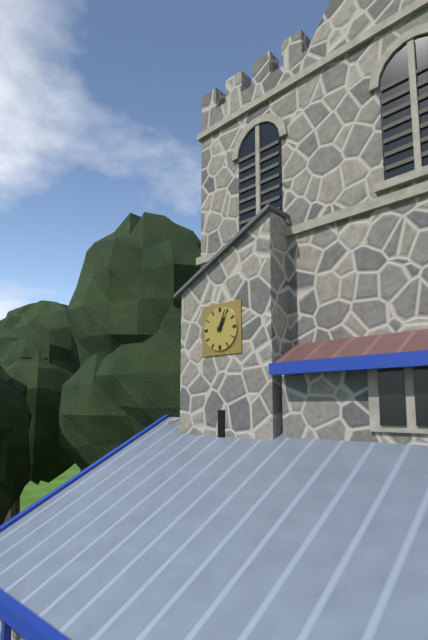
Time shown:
{"hour": 1, "minute": 4}
